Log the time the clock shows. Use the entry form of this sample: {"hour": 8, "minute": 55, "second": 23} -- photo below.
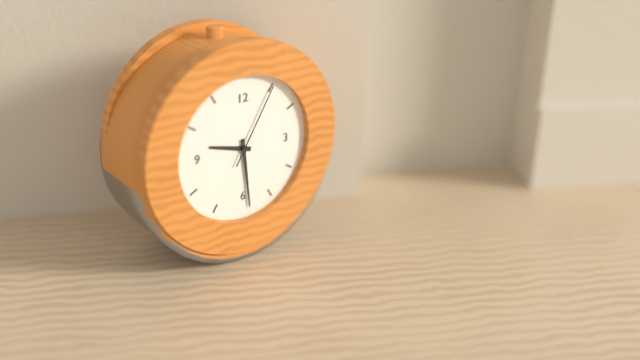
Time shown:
{"hour": 9, "minute": 29, "second": 5}
